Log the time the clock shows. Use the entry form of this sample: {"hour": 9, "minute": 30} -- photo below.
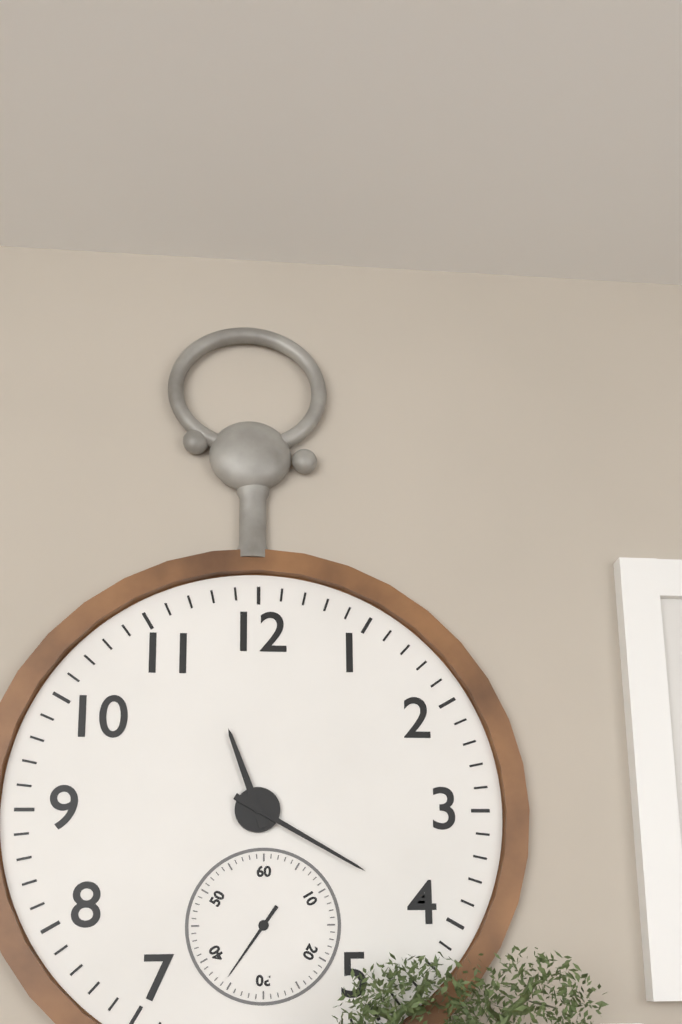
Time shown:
{"hour": 11, "minute": 20}
